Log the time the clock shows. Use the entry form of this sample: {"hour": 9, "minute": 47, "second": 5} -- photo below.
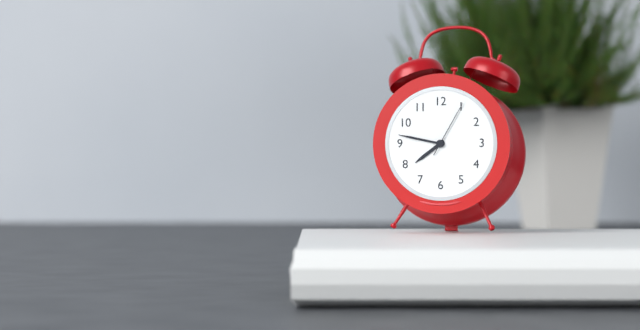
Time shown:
{"hour": 7, "minute": 47, "second": 5}
